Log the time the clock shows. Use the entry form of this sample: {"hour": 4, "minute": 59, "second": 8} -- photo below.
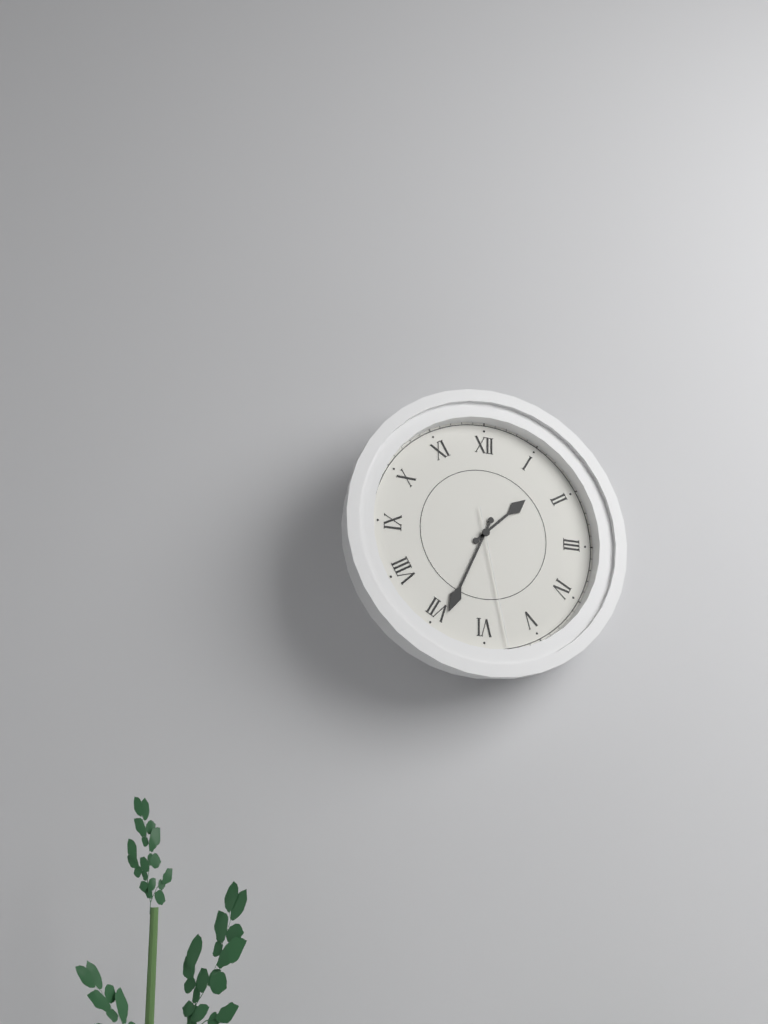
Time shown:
{"hour": 1, "minute": 34, "second": 28}
